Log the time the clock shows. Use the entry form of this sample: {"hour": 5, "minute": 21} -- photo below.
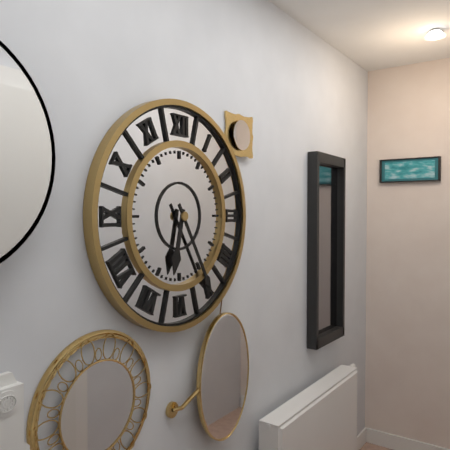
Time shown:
{"hour": 6, "minute": 25}
